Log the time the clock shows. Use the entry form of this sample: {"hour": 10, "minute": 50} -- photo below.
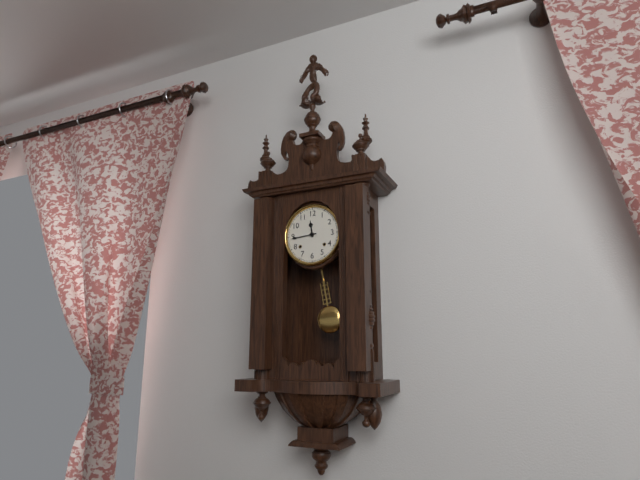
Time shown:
{"hour": 11, "minute": 44}
